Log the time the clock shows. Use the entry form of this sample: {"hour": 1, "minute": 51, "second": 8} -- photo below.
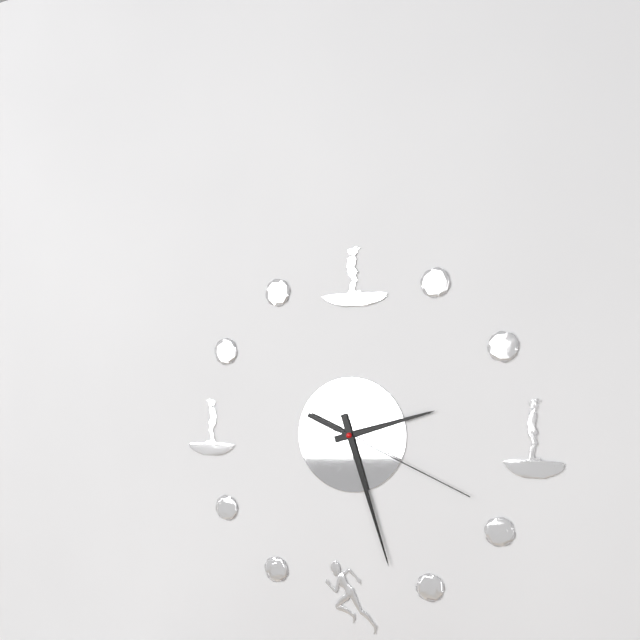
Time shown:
{"hour": 2, "minute": 27, "second": 19}
